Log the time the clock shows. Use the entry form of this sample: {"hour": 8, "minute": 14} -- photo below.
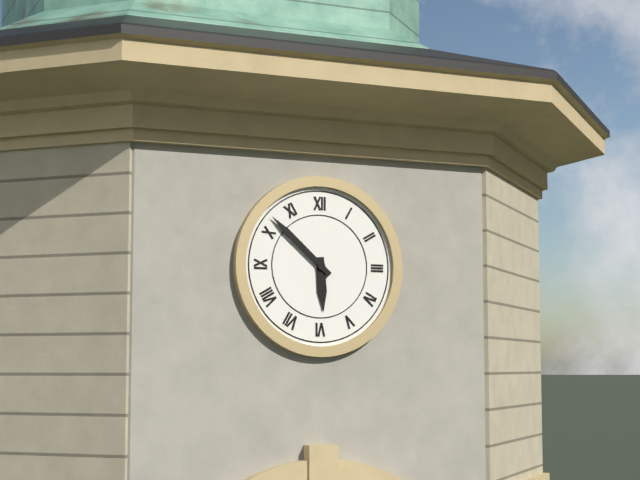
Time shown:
{"hour": 5, "minute": 52}
